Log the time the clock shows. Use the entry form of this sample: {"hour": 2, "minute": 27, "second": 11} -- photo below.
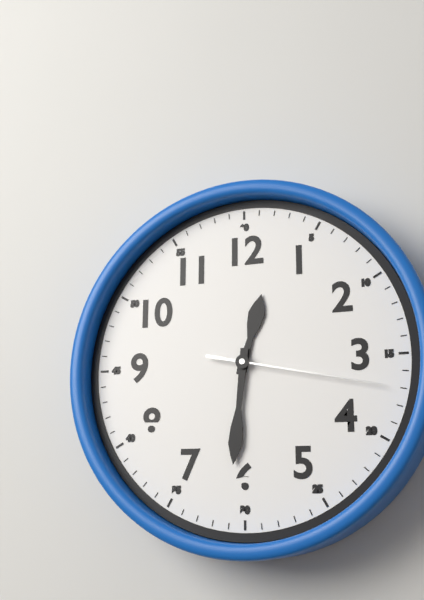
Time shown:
{"hour": 12, "minute": 31, "second": 17}
